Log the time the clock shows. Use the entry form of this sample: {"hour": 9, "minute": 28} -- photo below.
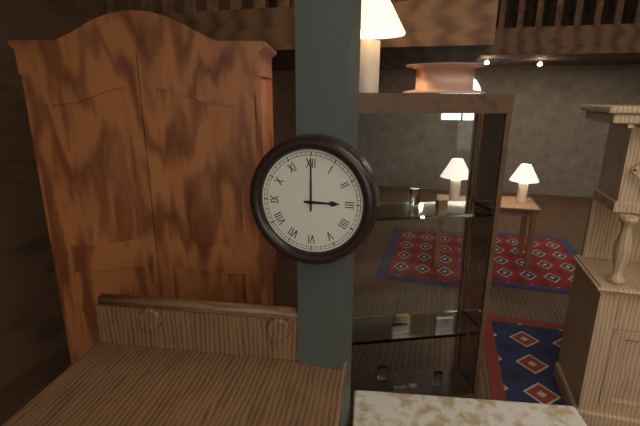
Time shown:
{"hour": 3, "minute": 0}
